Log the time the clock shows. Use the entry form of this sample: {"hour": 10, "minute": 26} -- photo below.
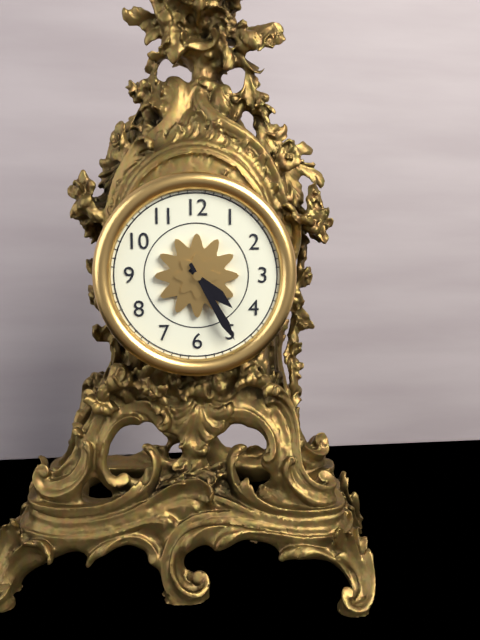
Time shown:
{"hour": 4, "minute": 25}
